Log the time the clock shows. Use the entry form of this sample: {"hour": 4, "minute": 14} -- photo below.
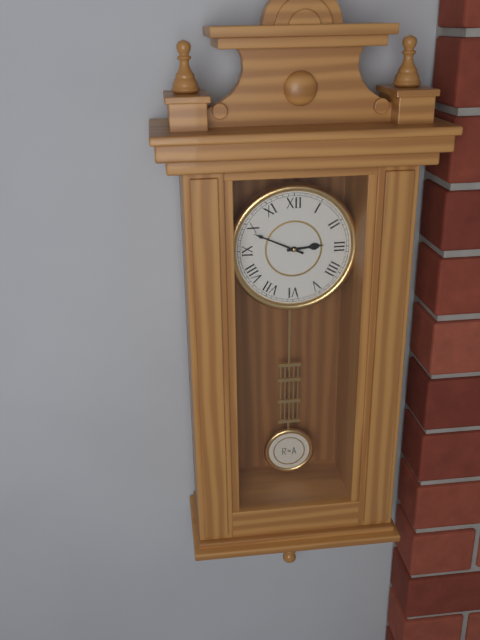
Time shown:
{"hour": 2, "minute": 49}
